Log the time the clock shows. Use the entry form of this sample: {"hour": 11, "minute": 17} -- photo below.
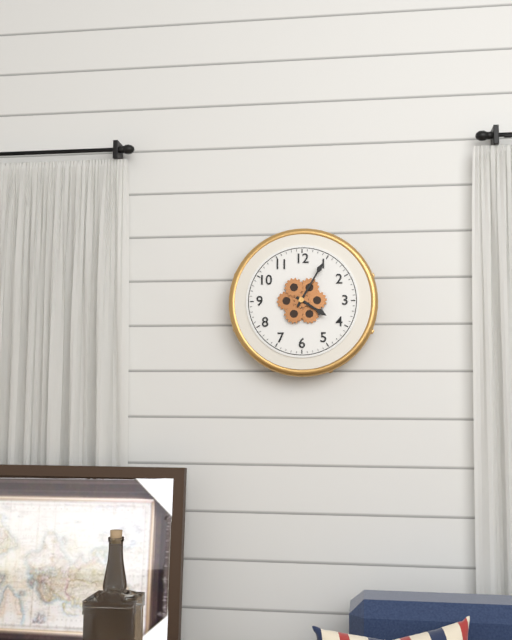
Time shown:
{"hour": 4, "minute": 5}
